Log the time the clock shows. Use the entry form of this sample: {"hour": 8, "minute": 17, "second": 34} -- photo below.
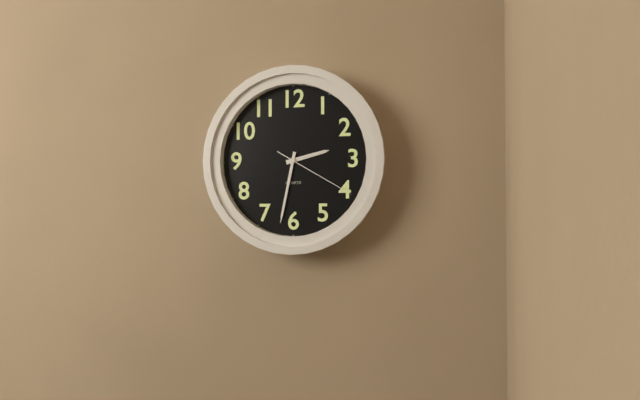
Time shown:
{"hour": 2, "minute": 32, "second": 20}
